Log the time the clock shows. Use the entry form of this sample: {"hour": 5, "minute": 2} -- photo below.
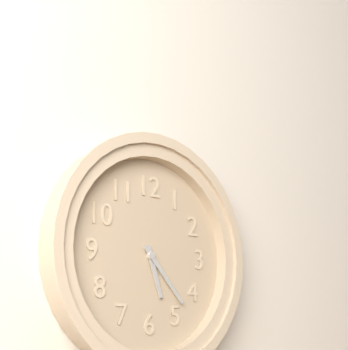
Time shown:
{"hour": 5, "minute": 23}
